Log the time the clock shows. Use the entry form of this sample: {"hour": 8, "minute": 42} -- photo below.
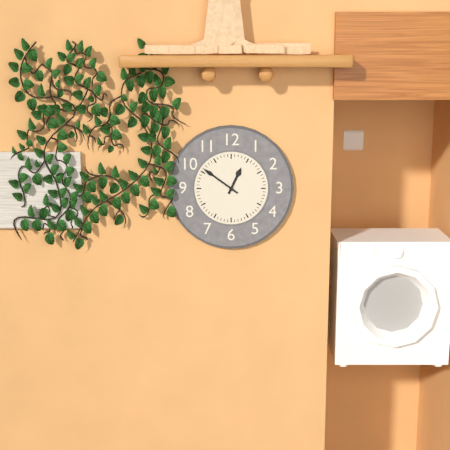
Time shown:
{"hour": 12, "minute": 51}
